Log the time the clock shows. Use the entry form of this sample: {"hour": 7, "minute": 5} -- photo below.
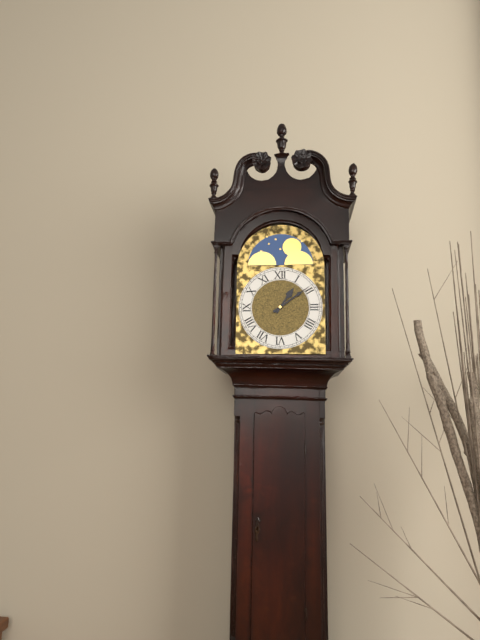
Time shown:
{"hour": 1, "minute": 9}
